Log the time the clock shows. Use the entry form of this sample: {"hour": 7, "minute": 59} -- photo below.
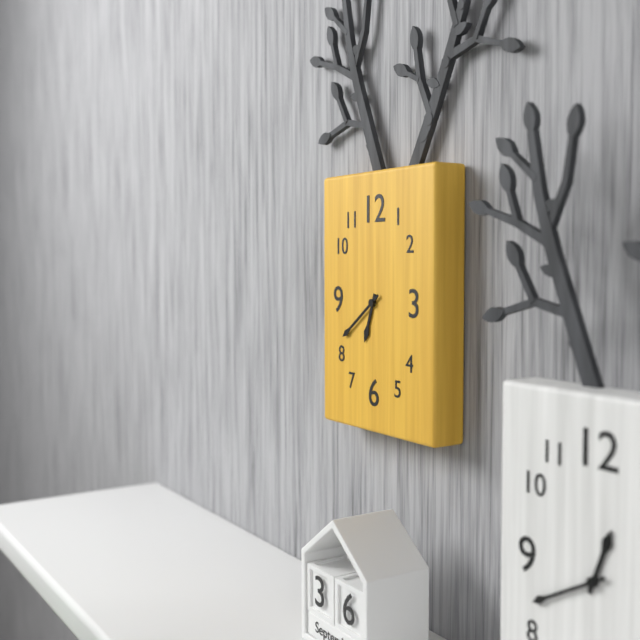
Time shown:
{"hour": 6, "minute": 39}
